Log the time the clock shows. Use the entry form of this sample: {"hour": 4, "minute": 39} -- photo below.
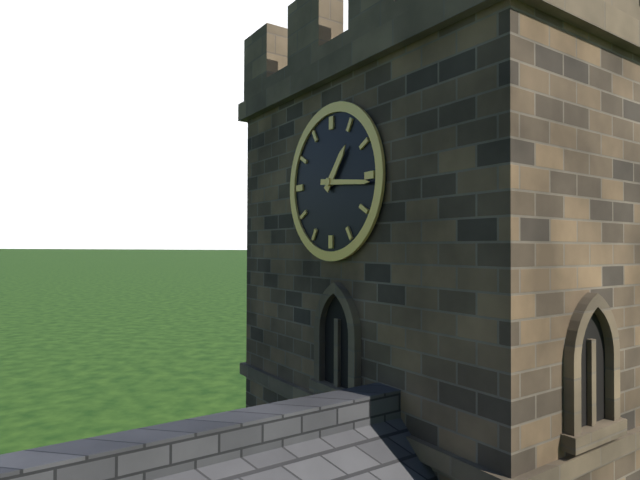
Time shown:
{"hour": 1, "minute": 16}
